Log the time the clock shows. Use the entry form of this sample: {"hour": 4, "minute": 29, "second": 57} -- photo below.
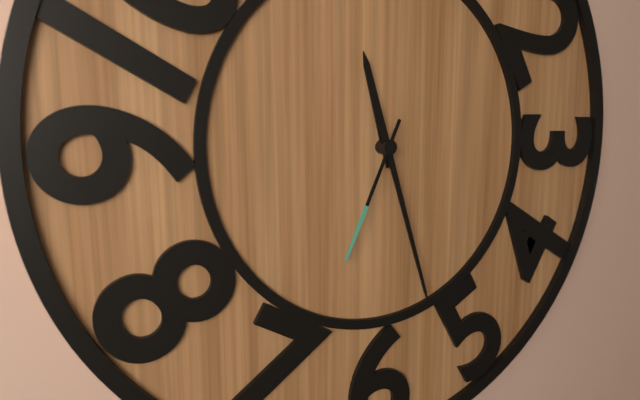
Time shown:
{"hour": 11, "minute": 27, "second": 34}
